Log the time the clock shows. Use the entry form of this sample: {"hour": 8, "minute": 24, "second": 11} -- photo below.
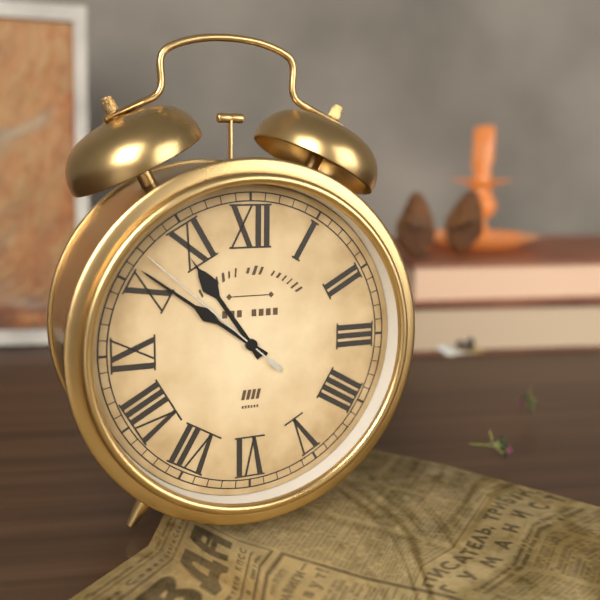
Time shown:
{"hour": 10, "minute": 51, "second": 52}
